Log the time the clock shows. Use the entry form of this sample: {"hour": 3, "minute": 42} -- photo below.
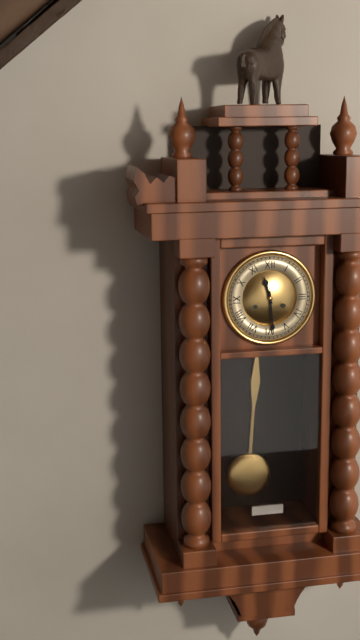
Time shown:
{"hour": 11, "minute": 29}
